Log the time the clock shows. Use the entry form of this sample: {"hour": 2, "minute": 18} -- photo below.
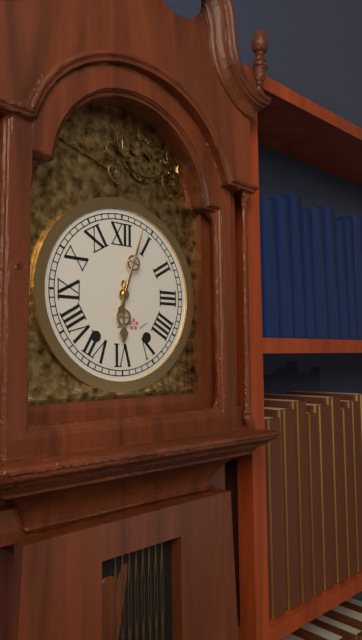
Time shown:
{"hour": 6, "minute": 3}
